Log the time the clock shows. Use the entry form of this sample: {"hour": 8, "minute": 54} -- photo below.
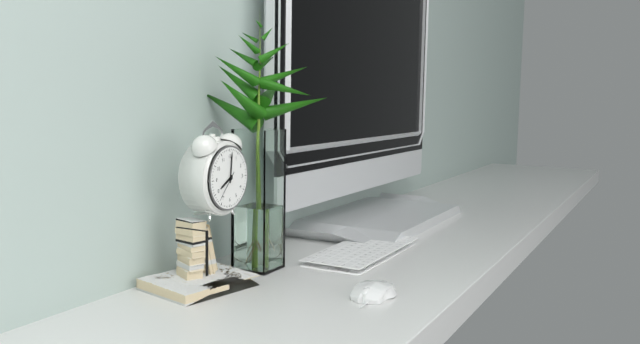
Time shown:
{"hour": 8, "minute": 1}
